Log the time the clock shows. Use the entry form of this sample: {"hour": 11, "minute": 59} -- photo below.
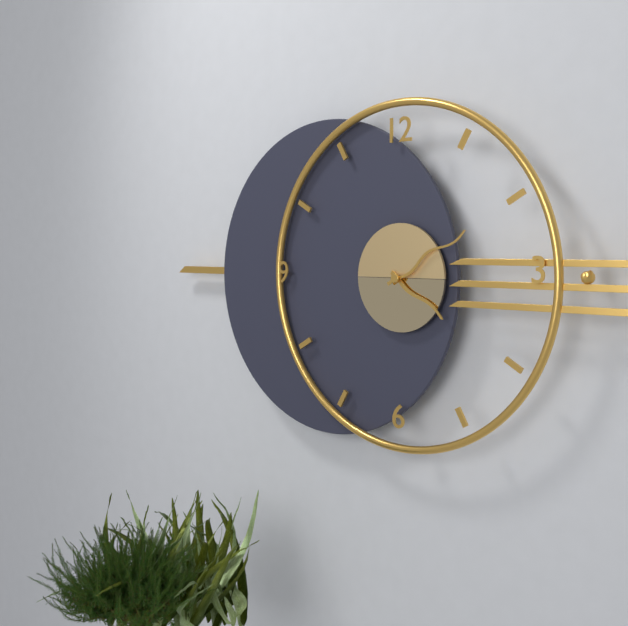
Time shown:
{"hour": 4, "minute": 10}
